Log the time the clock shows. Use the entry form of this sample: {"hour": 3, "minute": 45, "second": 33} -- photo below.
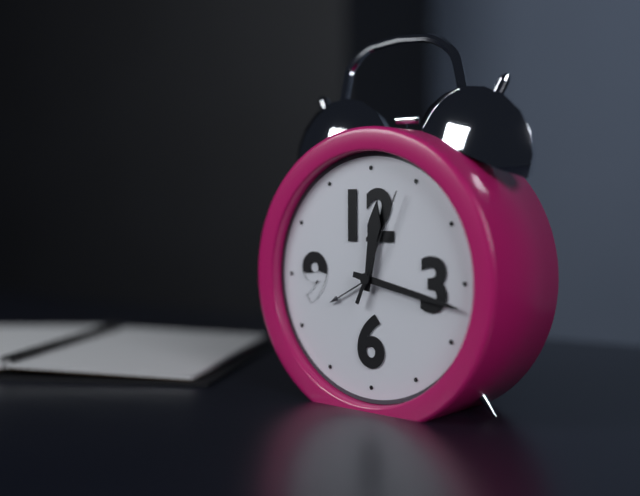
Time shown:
{"hour": 12, "minute": 17, "second": 4}
